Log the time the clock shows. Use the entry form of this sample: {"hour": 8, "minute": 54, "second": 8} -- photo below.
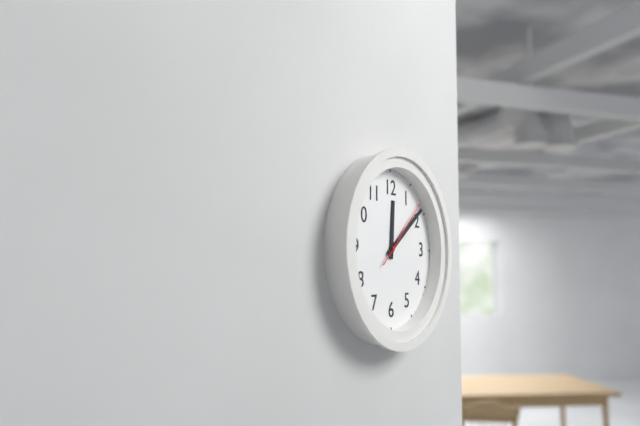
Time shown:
{"hour": 12, "minute": 9, "second": 8}
